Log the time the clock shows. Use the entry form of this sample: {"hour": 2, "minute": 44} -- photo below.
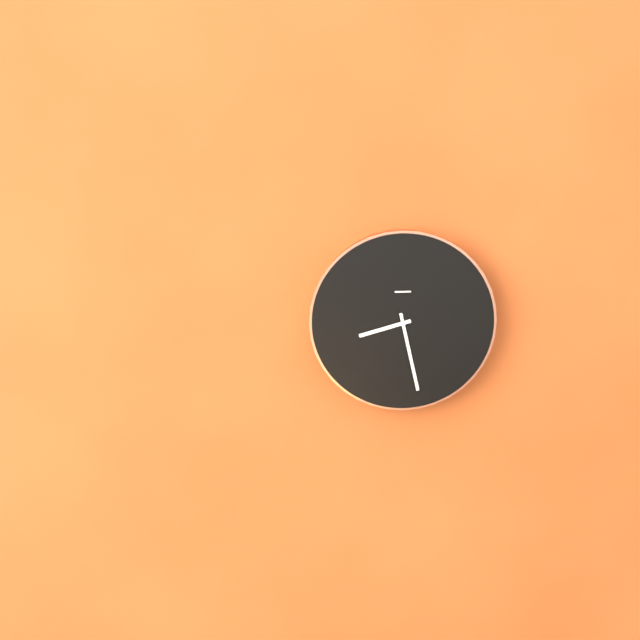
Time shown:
{"hour": 8, "minute": 28}
